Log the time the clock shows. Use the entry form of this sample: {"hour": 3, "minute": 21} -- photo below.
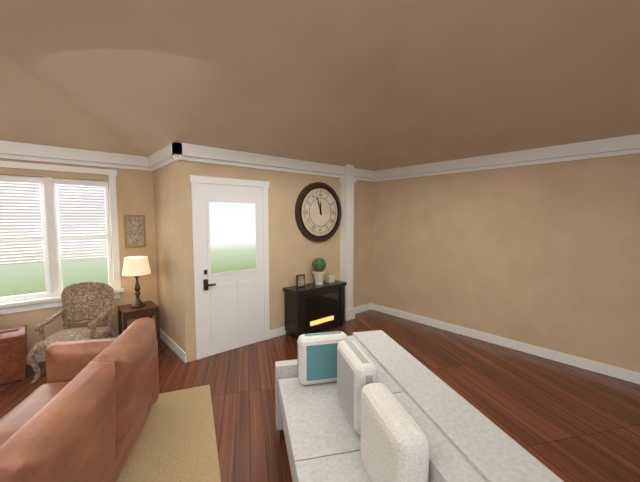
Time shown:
{"hour": 11, "minute": 57}
